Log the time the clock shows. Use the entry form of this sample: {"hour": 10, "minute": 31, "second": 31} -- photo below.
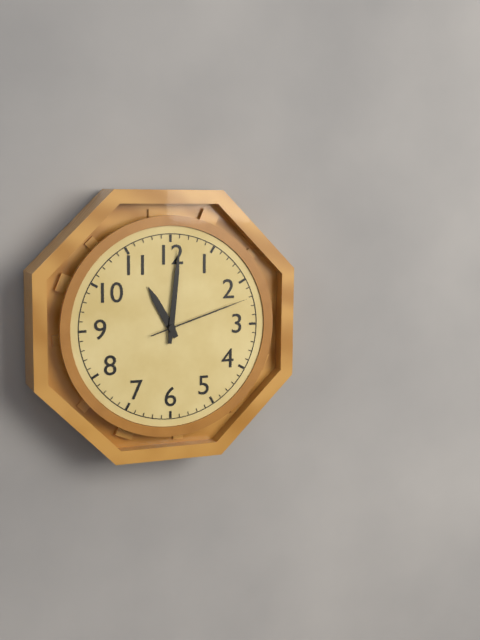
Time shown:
{"hour": 11, "minute": 1, "second": 12}
